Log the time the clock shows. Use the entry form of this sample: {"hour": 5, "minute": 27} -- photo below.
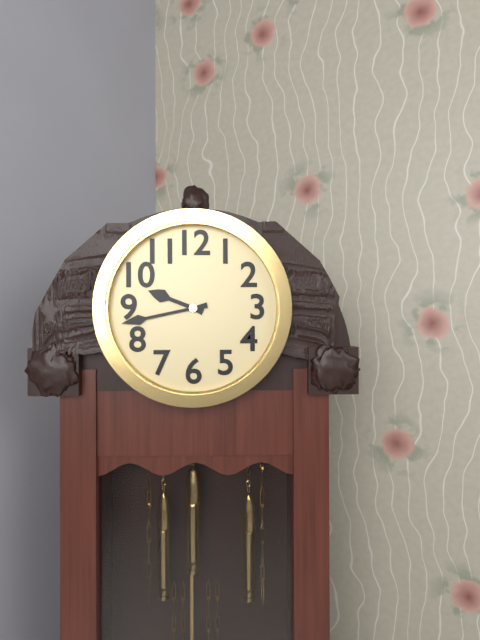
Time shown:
{"hour": 9, "minute": 43}
